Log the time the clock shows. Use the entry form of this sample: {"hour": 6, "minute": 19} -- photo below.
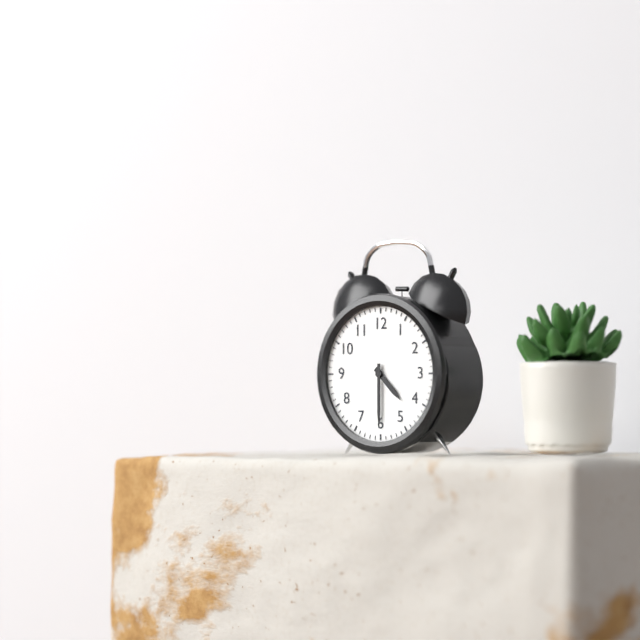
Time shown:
{"hour": 4, "minute": 30}
